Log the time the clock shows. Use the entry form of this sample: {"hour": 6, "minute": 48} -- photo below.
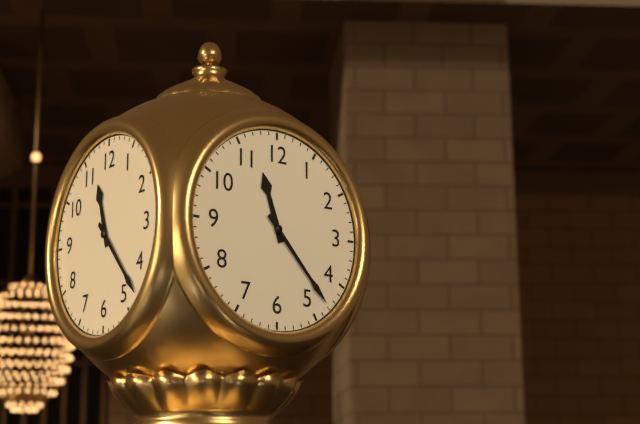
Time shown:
{"hour": 11, "minute": 23}
